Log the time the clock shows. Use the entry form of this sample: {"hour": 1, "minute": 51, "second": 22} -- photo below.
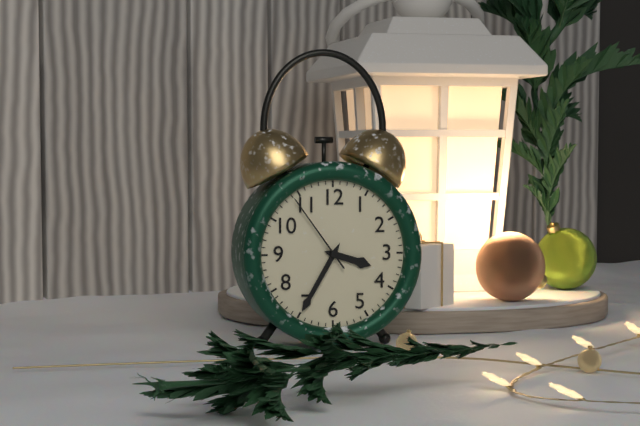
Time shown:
{"hour": 3, "minute": 35, "second": 54}
